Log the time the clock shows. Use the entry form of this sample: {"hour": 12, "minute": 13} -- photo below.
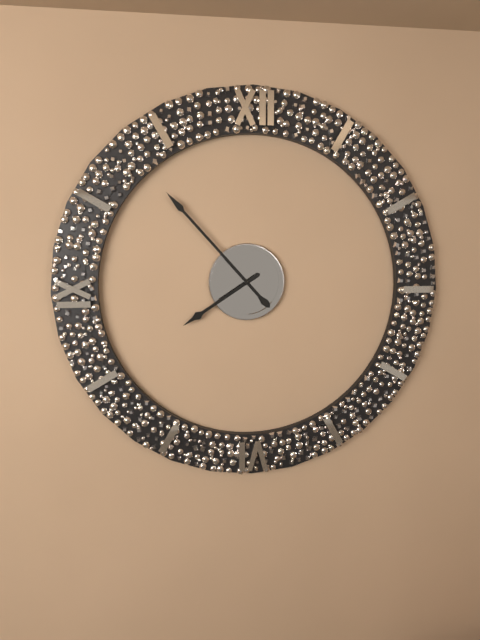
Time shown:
{"hour": 7, "minute": 53}
